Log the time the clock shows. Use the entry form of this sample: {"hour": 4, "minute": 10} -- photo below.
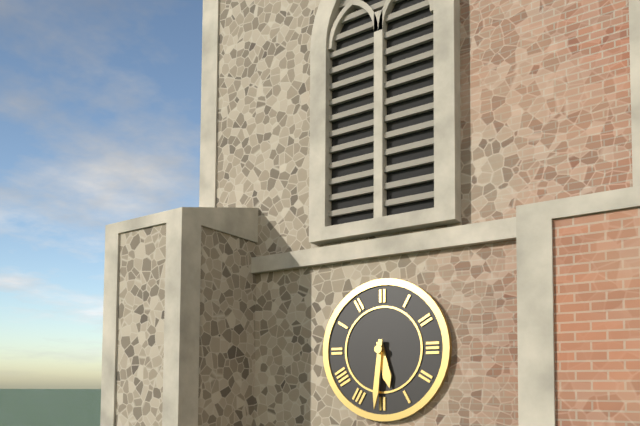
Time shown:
{"hour": 5, "minute": 31}
